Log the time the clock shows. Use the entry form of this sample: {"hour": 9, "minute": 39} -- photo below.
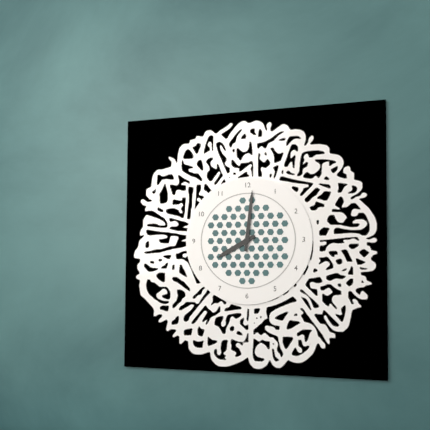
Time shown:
{"hour": 8, "minute": 1}
